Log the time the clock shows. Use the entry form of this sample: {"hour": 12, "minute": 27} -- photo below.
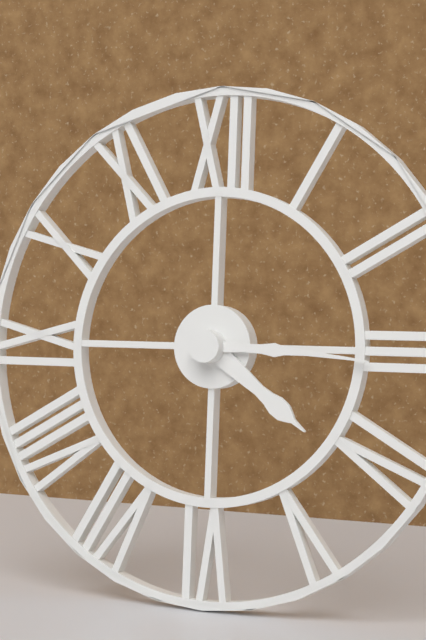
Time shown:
{"hour": 4, "minute": 15}
